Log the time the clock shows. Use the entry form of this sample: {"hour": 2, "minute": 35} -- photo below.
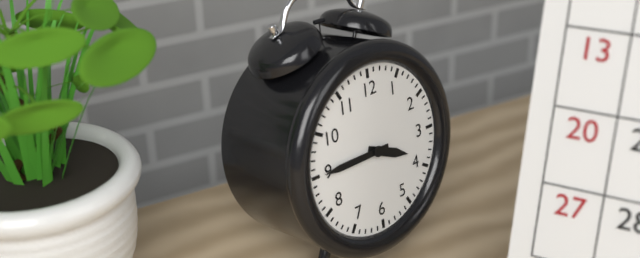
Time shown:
{"hour": 3, "minute": 45}
